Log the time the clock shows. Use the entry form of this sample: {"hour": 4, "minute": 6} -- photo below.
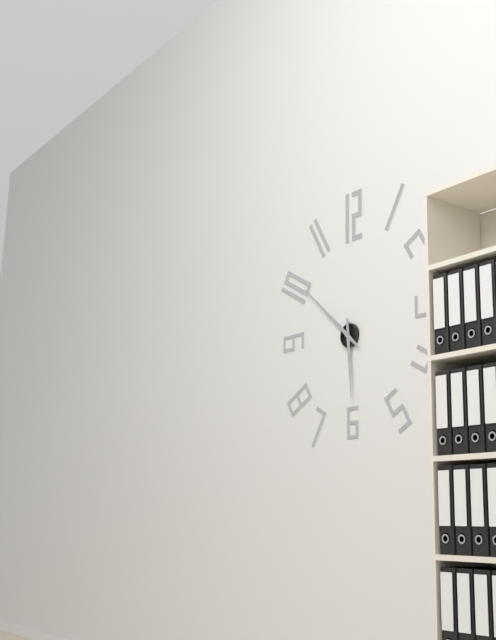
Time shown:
{"hour": 5, "minute": 52}
